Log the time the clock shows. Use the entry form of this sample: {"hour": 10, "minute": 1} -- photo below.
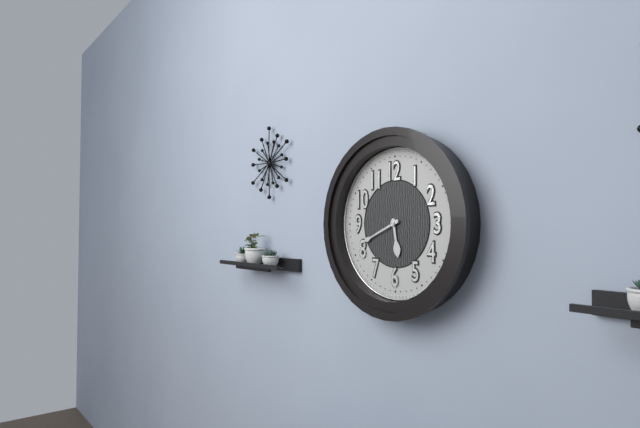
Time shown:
{"hour": 5, "minute": 41}
